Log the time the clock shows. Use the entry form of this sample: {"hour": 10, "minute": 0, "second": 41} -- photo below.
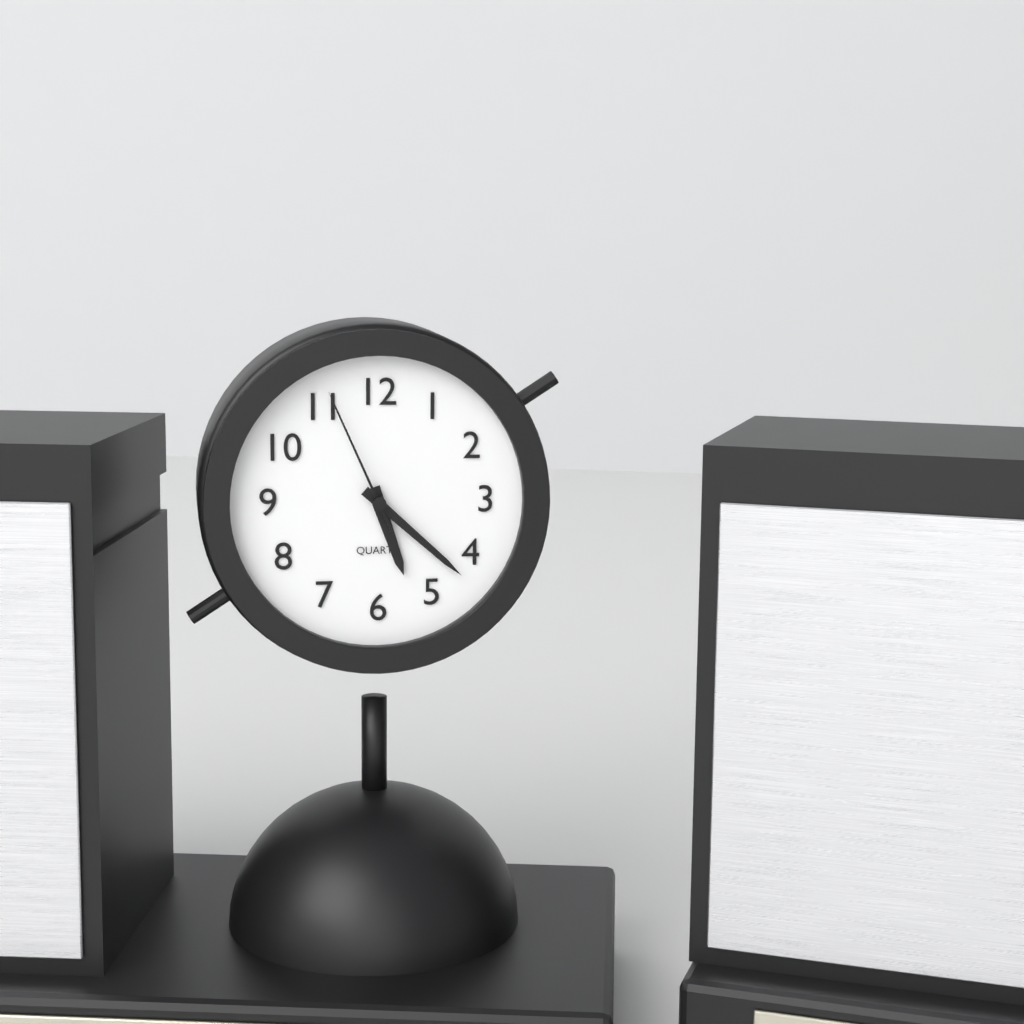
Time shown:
{"hour": 5, "minute": 22, "second": 56}
